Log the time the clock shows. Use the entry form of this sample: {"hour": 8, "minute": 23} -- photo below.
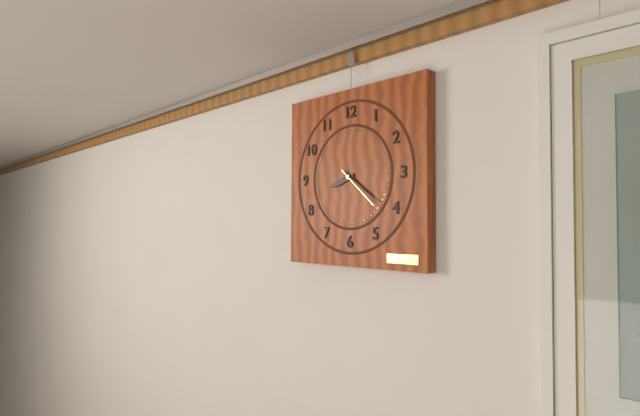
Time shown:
{"hour": 8, "minute": 21}
